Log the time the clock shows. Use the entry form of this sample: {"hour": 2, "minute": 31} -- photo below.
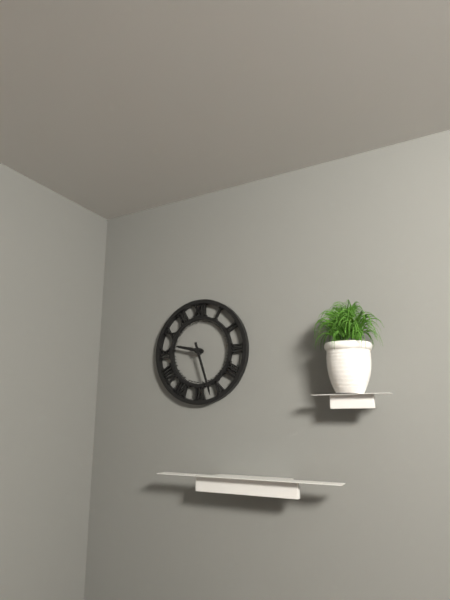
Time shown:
{"hour": 9, "minute": 27}
